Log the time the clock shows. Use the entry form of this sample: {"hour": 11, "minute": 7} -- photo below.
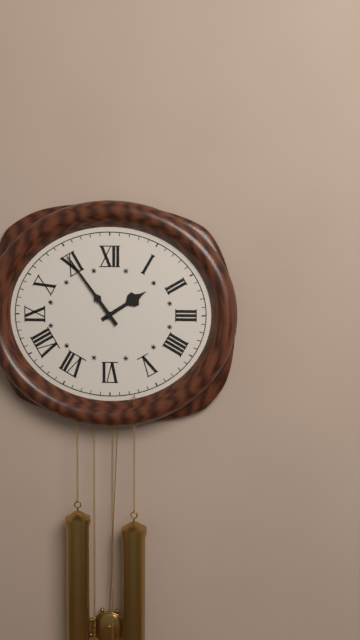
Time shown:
{"hour": 1, "minute": 54}
